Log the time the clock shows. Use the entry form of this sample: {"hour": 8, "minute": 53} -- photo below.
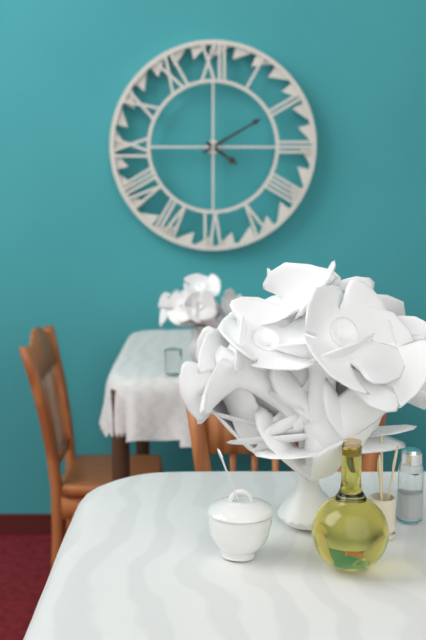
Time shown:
{"hour": 4, "minute": 10}
